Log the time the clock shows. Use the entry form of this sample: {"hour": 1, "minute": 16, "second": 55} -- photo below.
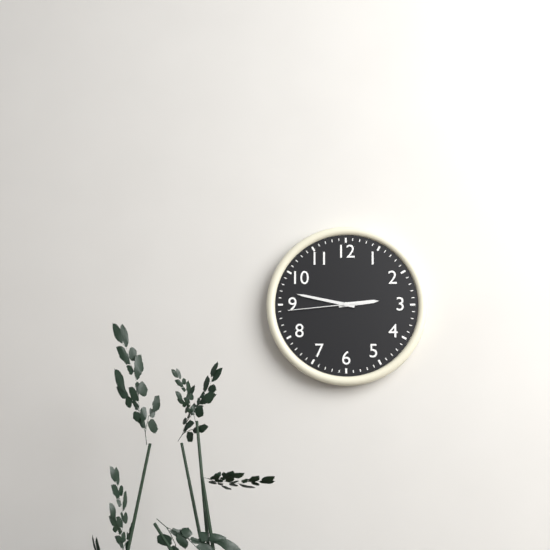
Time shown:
{"hour": 2, "minute": 47, "second": 44}
